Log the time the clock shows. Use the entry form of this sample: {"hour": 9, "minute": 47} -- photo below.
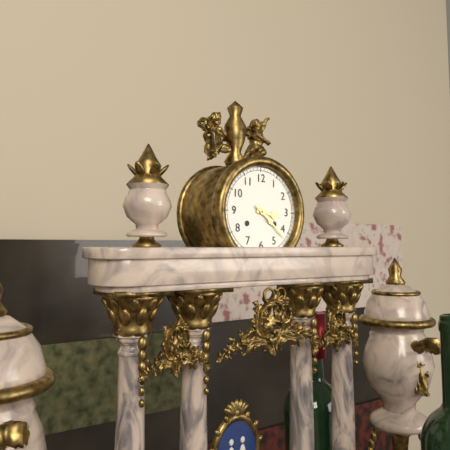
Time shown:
{"hour": 3, "minute": 22}
